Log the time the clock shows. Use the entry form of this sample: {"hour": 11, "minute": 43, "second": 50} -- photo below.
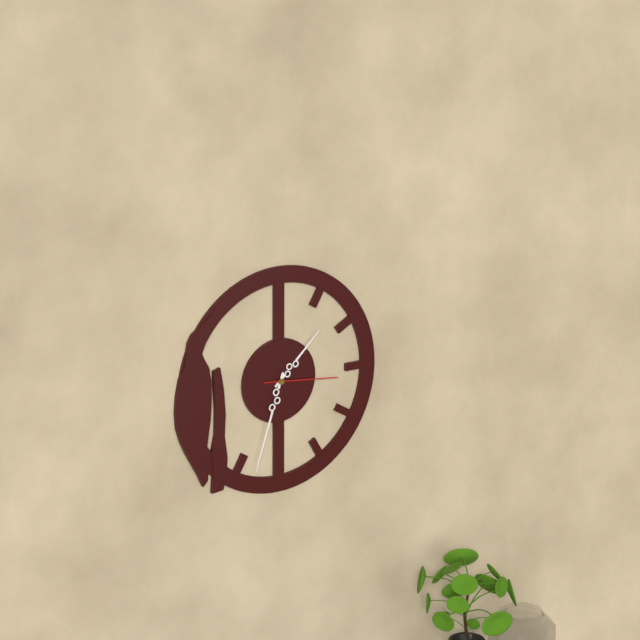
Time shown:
{"hour": 1, "minute": 33, "second": 16}
